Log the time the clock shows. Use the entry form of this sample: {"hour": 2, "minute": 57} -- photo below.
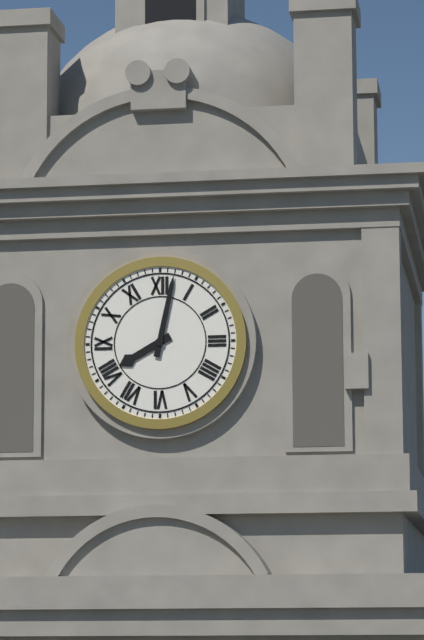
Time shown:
{"hour": 8, "minute": 2}
